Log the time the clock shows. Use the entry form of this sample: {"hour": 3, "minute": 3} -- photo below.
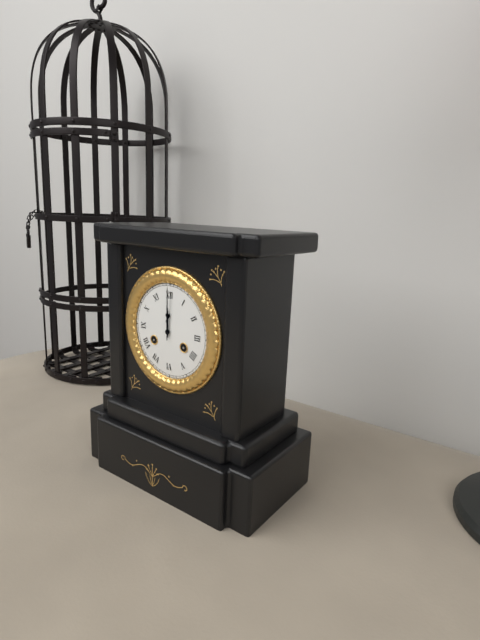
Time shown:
{"hour": 12, "minute": 0}
